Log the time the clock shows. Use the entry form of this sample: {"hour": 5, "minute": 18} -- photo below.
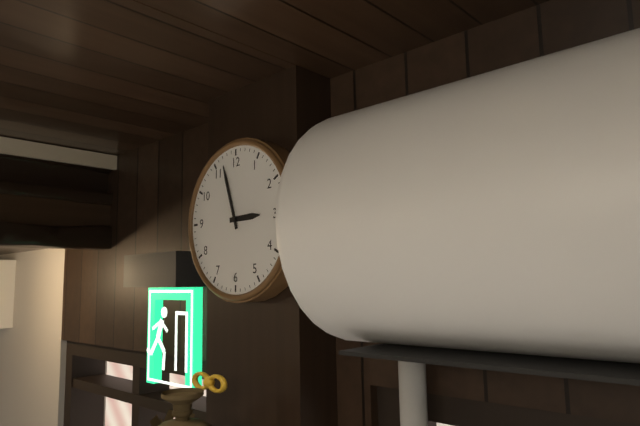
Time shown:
{"hour": 2, "minute": 57}
